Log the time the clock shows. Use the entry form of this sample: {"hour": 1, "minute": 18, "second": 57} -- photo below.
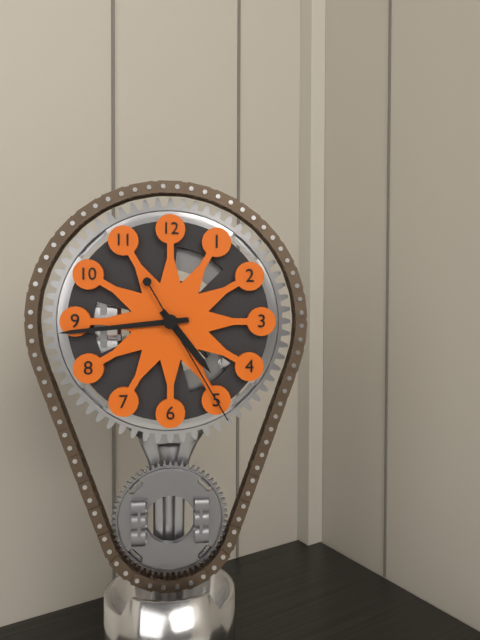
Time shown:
{"hour": 4, "minute": 44, "second": 25}
